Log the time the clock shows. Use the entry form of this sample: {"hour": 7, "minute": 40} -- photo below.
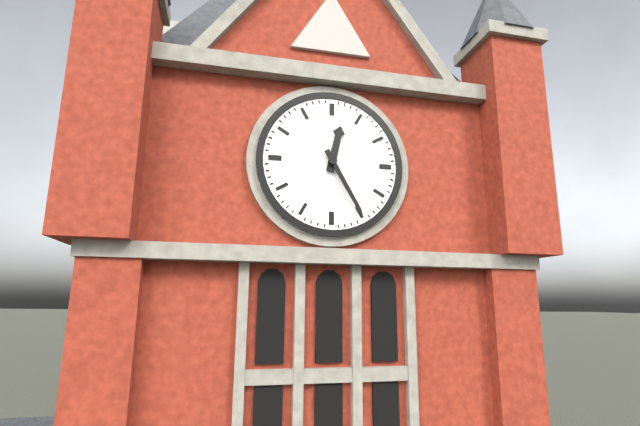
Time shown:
{"hour": 12, "minute": 25}
